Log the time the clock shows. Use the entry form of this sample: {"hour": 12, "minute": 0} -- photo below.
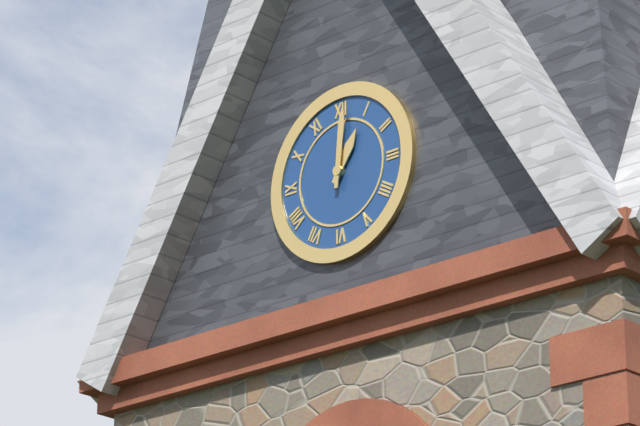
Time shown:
{"hour": 1, "minute": 1}
